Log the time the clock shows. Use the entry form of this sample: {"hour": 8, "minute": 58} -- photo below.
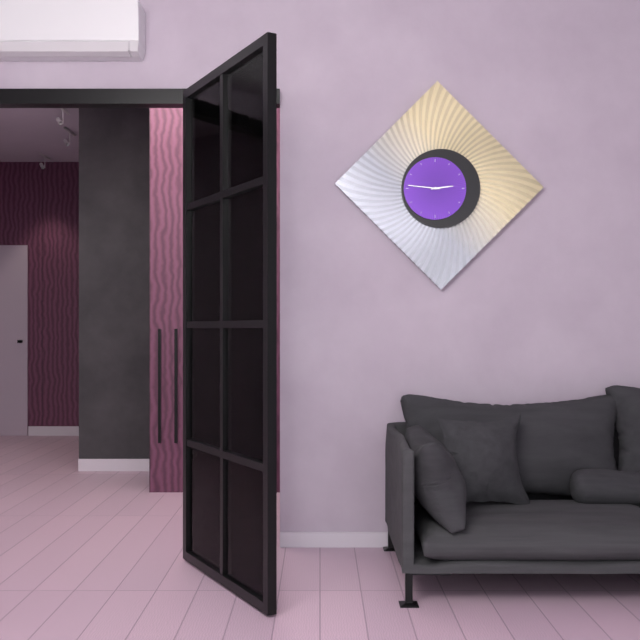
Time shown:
{"hour": 2, "minute": 46}
